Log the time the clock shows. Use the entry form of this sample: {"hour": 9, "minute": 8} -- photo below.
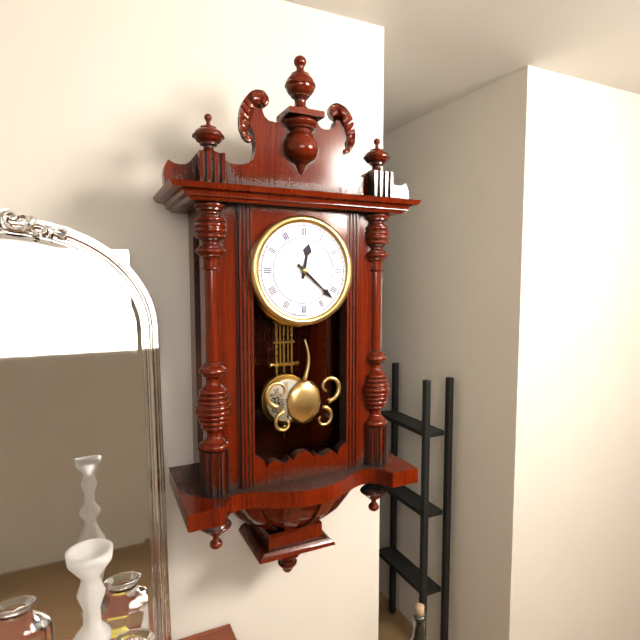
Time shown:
{"hour": 12, "minute": 22}
